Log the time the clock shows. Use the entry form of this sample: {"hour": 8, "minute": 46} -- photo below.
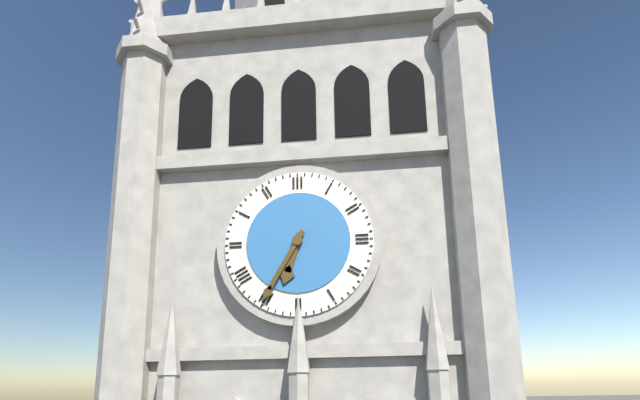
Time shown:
{"hour": 6, "minute": 35}
